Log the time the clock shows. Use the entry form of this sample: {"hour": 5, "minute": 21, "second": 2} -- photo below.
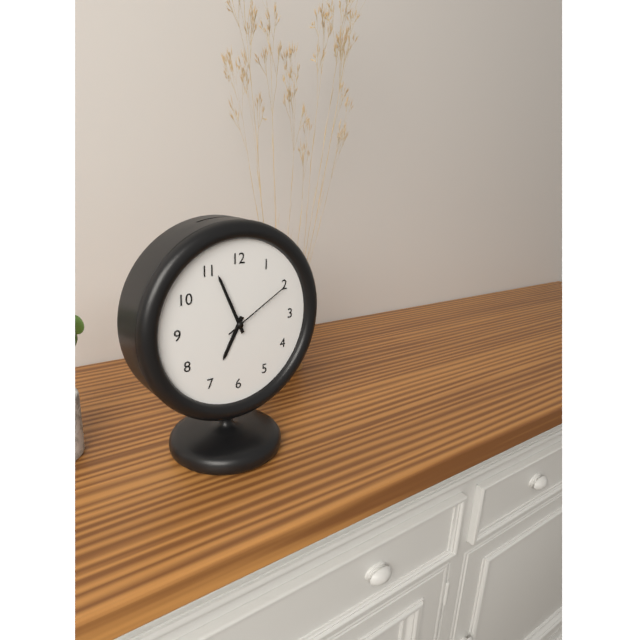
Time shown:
{"hour": 6, "minute": 56, "second": 10}
